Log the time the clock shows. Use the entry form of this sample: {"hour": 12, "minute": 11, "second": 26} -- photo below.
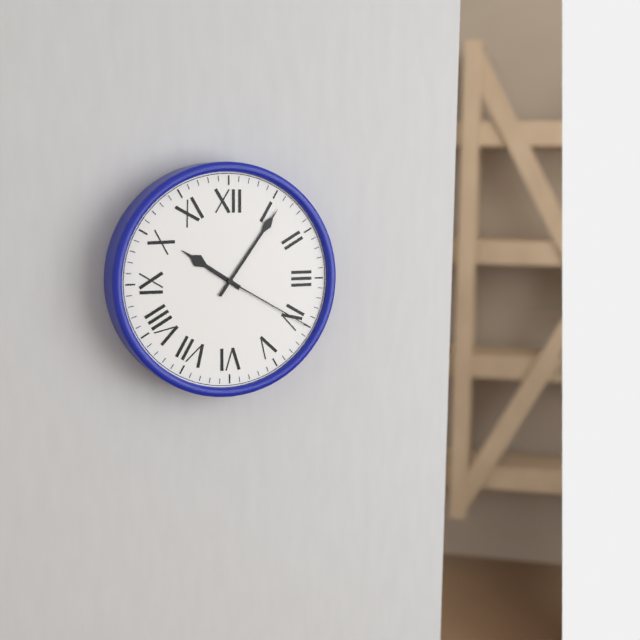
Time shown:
{"hour": 10, "minute": 6, "second": 20}
